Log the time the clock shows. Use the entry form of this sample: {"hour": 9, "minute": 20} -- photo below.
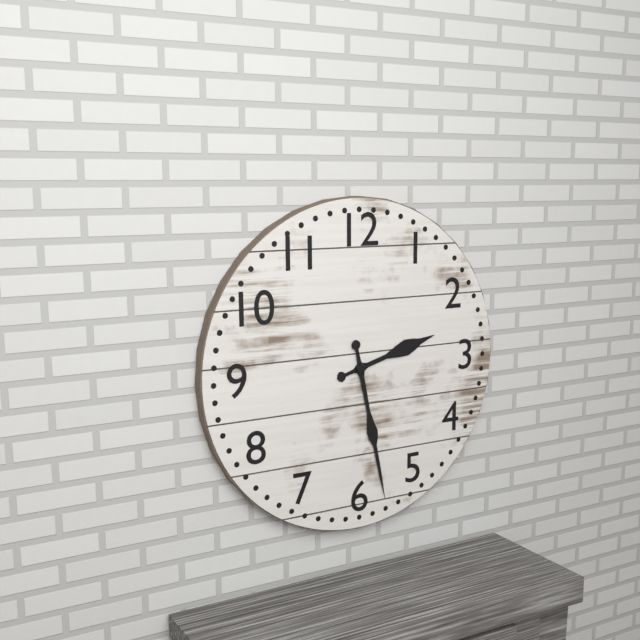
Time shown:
{"hour": 2, "minute": 28}
